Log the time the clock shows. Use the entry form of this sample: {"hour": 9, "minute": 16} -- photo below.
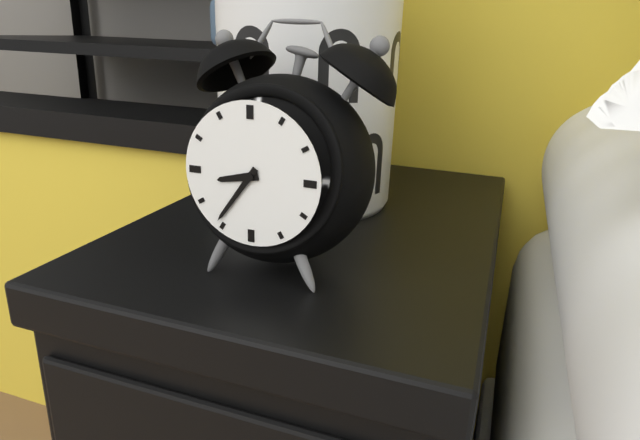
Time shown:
{"hour": 8, "minute": 36}
